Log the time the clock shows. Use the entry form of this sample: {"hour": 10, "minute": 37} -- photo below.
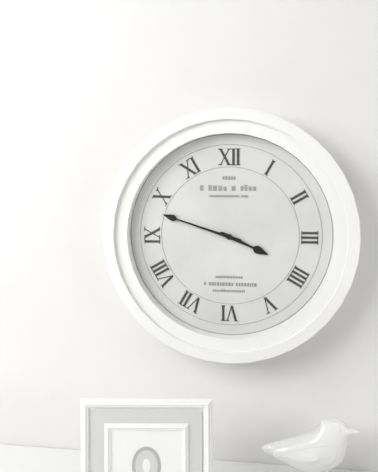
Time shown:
{"hour": 3, "minute": 48}
